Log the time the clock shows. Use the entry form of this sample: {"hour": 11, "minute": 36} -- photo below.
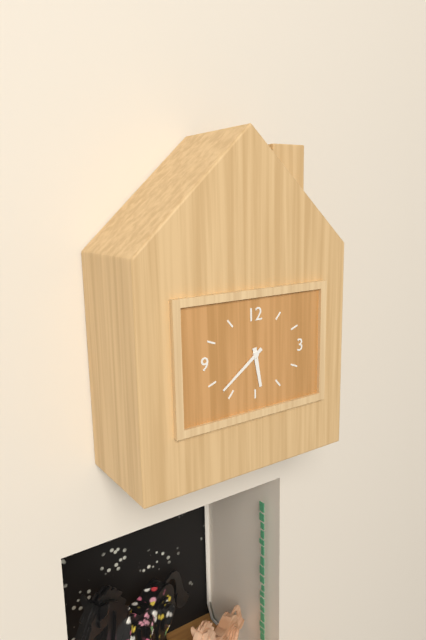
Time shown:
{"hour": 5, "minute": 39}
